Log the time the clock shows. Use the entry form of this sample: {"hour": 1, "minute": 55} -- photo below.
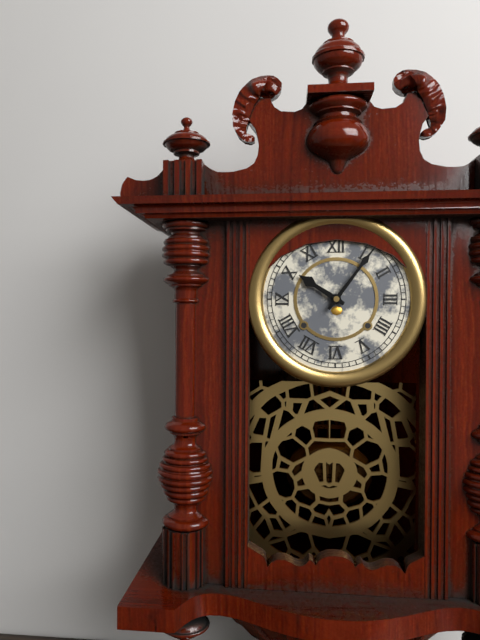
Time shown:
{"hour": 10, "minute": 6}
